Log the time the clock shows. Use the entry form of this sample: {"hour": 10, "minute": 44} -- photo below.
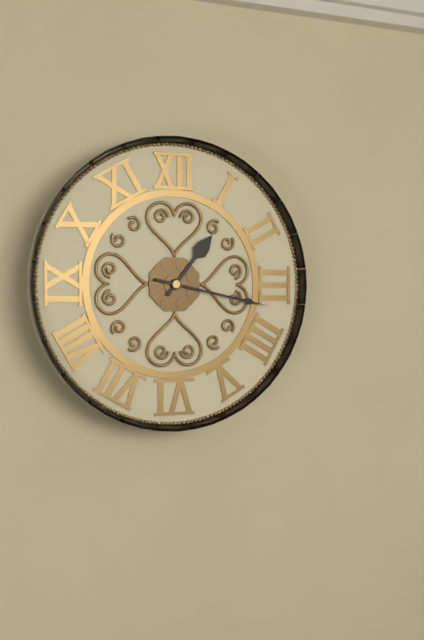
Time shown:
{"hour": 1, "minute": 17}
